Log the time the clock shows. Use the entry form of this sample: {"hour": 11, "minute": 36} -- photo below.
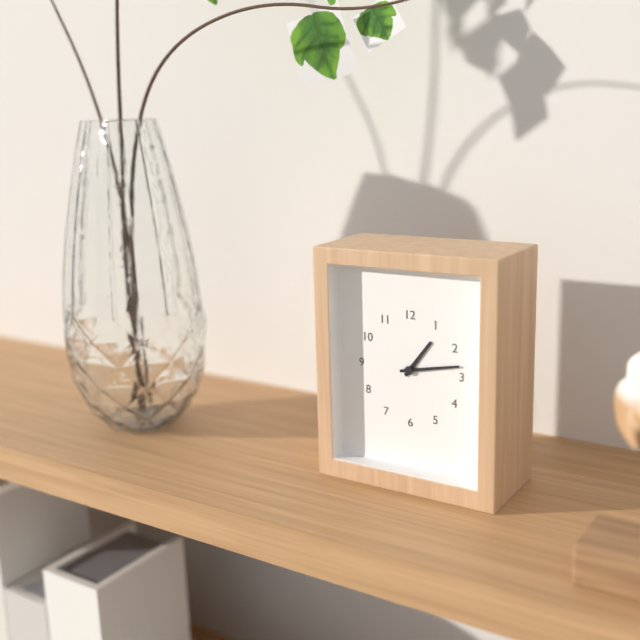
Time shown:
{"hour": 1, "minute": 13}
